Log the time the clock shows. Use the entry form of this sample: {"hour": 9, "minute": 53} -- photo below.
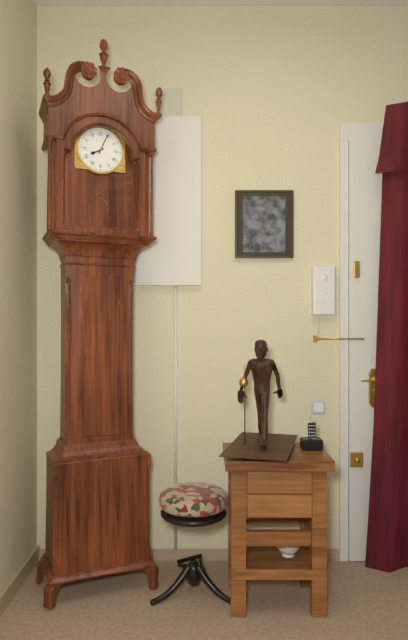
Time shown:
{"hour": 8, "minute": 4}
